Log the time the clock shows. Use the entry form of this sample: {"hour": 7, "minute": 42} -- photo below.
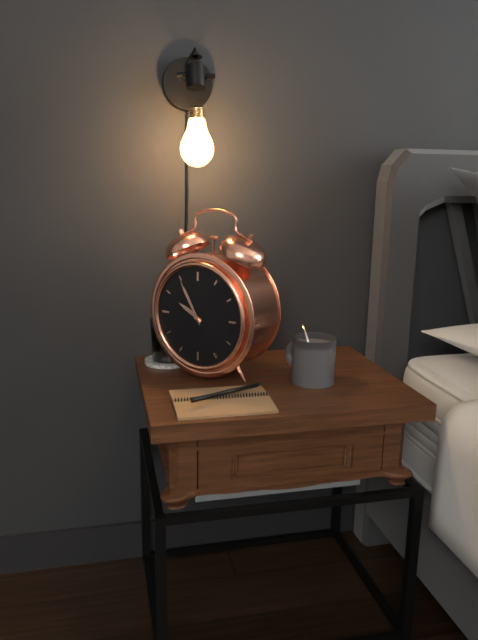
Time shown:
{"hour": 9, "minute": 55}
